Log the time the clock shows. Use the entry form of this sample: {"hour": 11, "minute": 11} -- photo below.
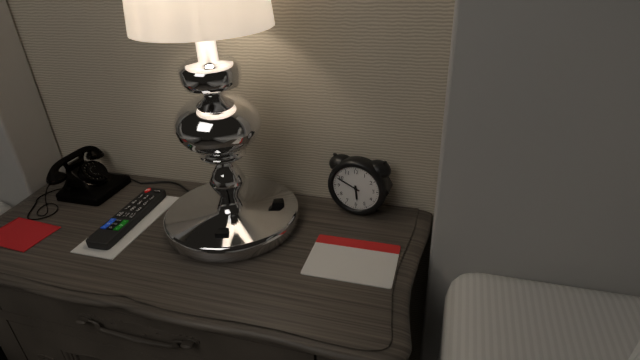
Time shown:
{"hour": 5, "minute": 49}
